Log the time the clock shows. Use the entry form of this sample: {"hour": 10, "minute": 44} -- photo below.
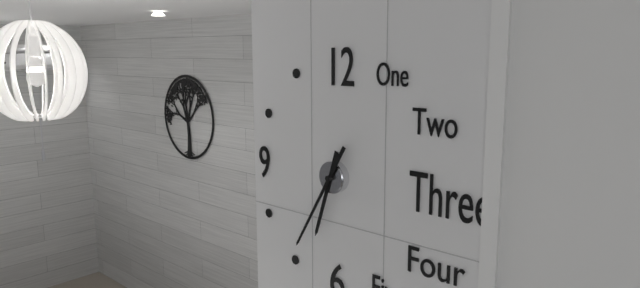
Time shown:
{"hour": 6, "minute": 35}
